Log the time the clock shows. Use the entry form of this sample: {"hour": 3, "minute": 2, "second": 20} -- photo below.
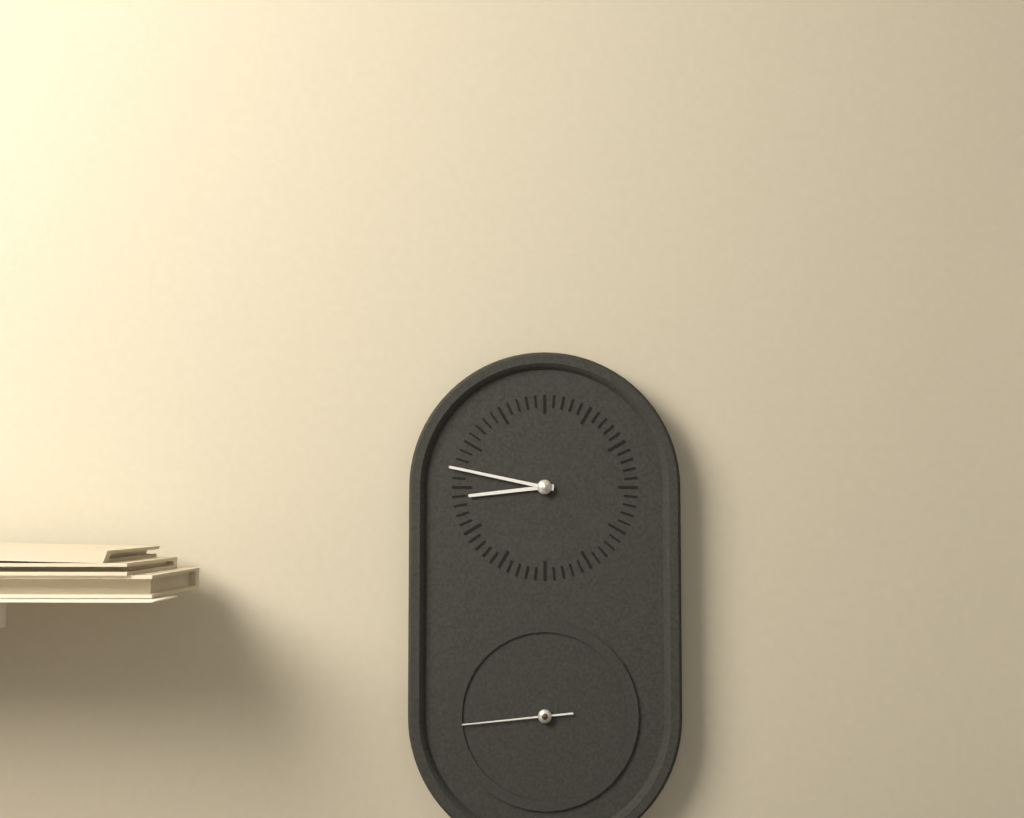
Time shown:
{"hour": 8, "minute": 47, "second": 44}
